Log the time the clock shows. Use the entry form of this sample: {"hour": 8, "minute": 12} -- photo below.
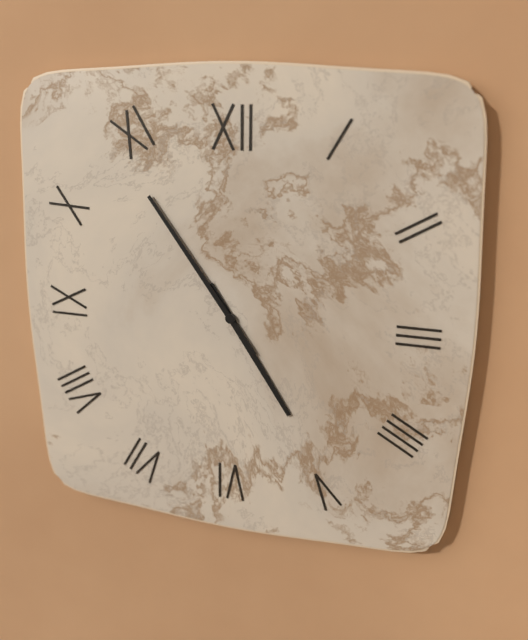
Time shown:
{"hour": 4, "minute": 54}
